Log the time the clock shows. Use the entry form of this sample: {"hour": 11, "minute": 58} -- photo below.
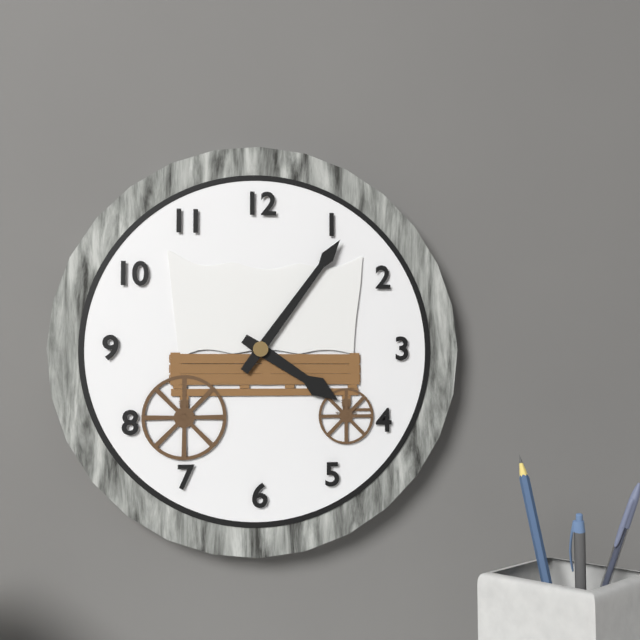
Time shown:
{"hour": 4, "minute": 6}
